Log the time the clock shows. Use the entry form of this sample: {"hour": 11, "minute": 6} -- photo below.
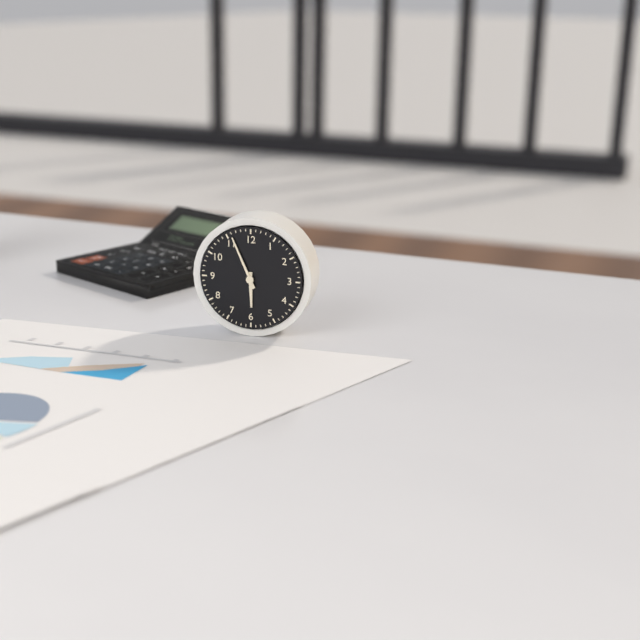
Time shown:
{"hour": 5, "minute": 56}
